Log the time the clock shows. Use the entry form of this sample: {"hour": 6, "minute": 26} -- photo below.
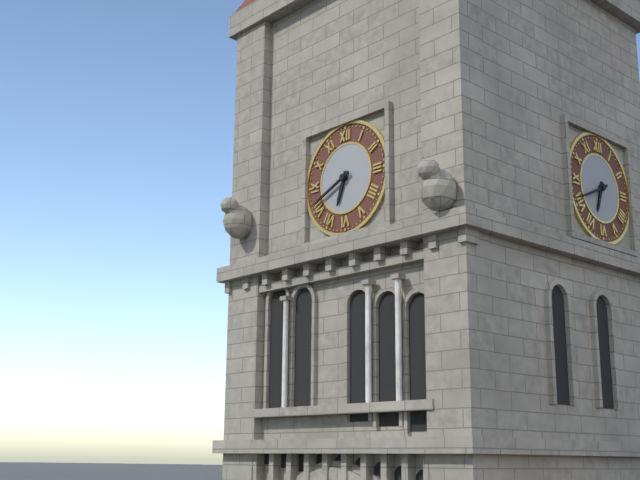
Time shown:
{"hour": 6, "minute": 41}
